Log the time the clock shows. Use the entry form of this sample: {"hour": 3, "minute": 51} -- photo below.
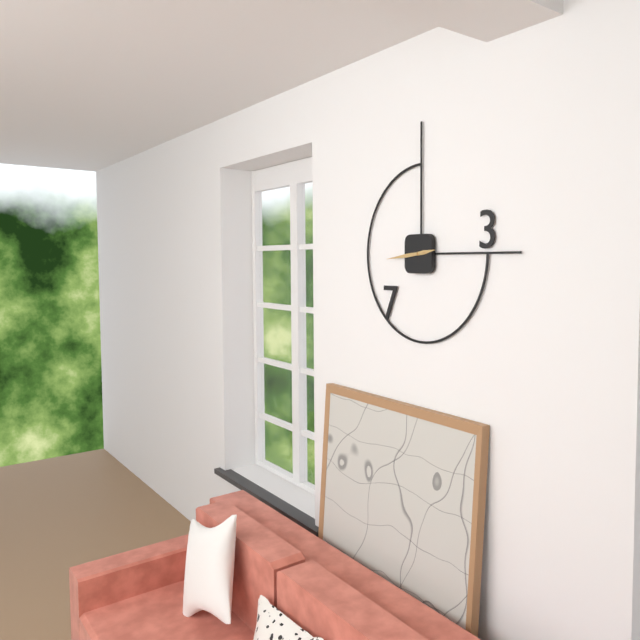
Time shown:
{"hour": 2, "minute": 44}
